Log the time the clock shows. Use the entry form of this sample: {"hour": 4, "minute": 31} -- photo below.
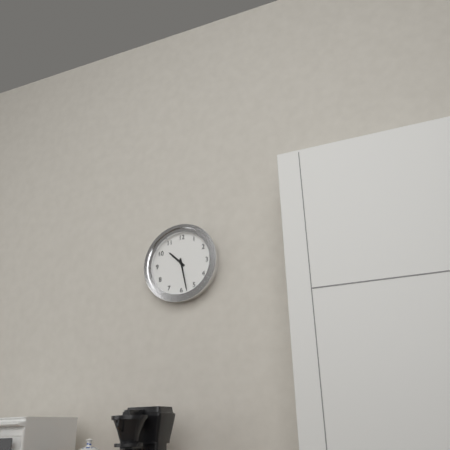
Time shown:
{"hour": 10, "minute": 28}
